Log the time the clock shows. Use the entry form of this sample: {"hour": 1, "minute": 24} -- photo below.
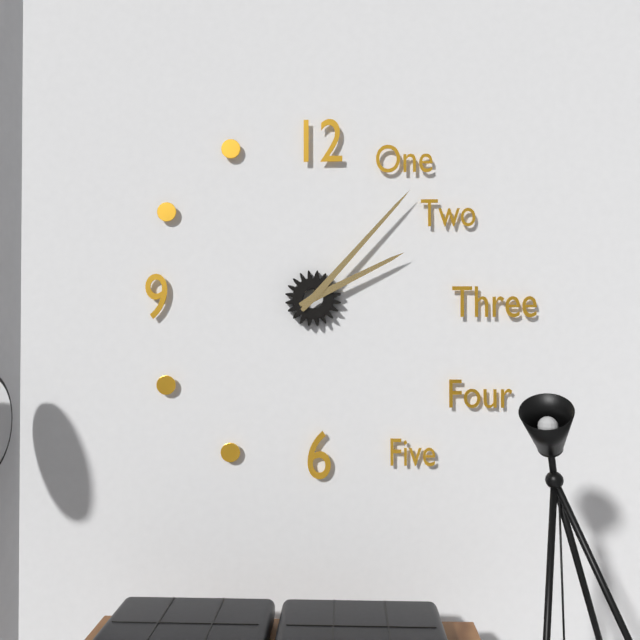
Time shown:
{"hour": 2, "minute": 7}
